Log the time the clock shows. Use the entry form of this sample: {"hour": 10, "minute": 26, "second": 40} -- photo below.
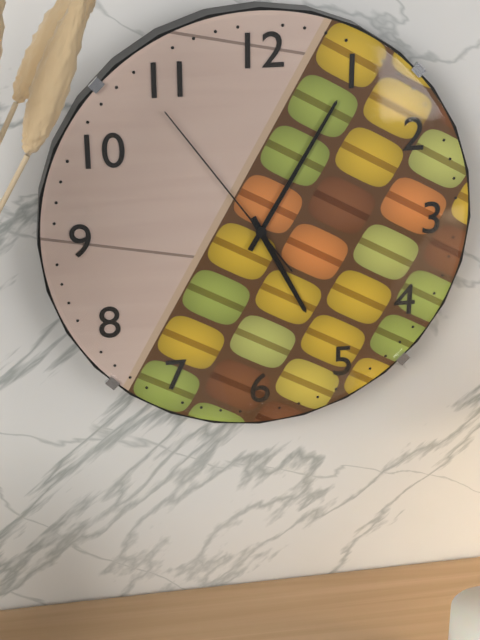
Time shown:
{"hour": 5, "minute": 5, "second": 54}
